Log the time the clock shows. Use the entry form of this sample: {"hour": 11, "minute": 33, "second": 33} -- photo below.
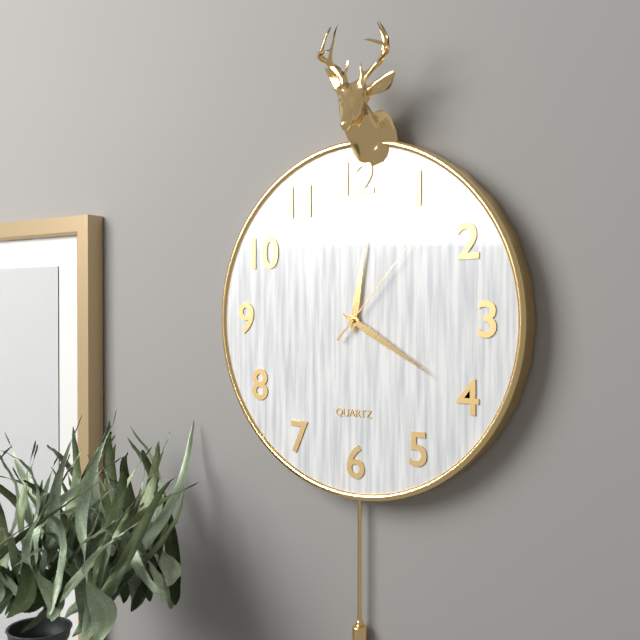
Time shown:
{"hour": 12, "minute": 20, "second": 7}
